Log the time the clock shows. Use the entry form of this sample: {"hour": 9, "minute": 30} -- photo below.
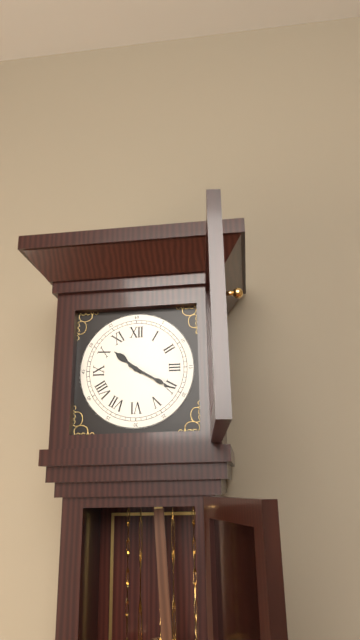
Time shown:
{"hour": 10, "minute": 20}
